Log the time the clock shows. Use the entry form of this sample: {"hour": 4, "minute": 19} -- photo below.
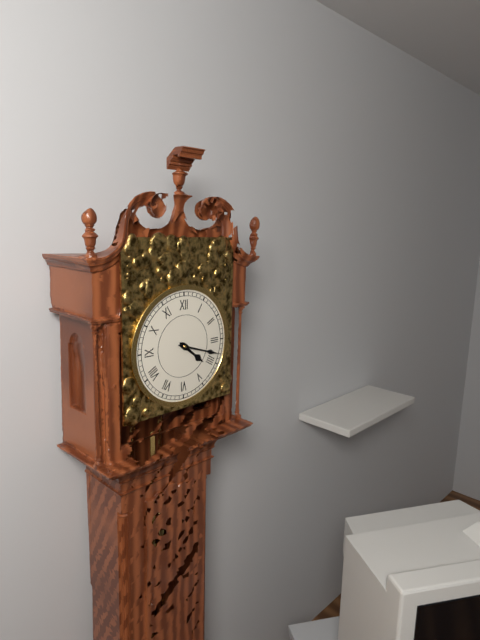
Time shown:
{"hour": 4, "minute": 18}
